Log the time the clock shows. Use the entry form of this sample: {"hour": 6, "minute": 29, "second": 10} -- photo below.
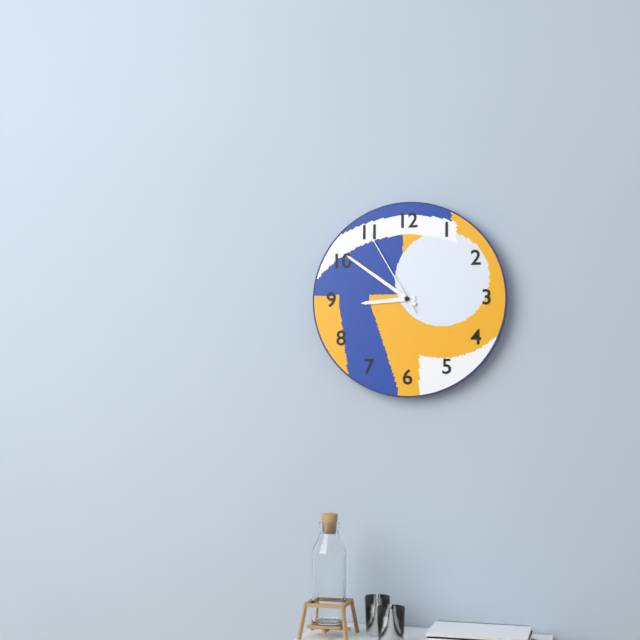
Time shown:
{"hour": 8, "minute": 51, "second": 55}
